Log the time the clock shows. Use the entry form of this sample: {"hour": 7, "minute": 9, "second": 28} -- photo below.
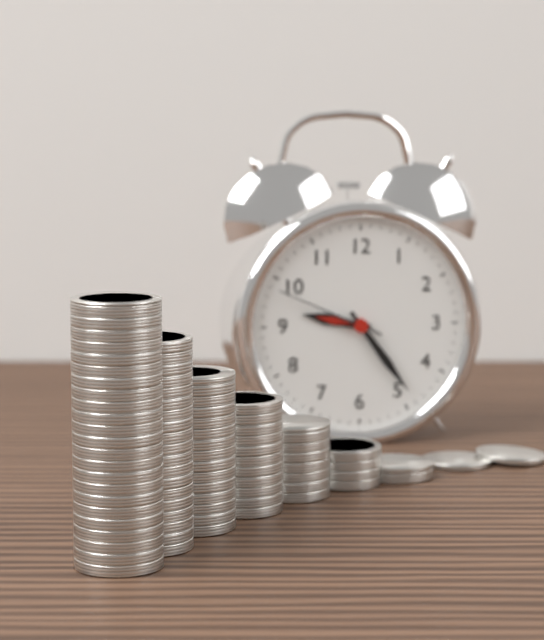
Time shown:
{"hour": 9, "minute": 24, "second": 49}
